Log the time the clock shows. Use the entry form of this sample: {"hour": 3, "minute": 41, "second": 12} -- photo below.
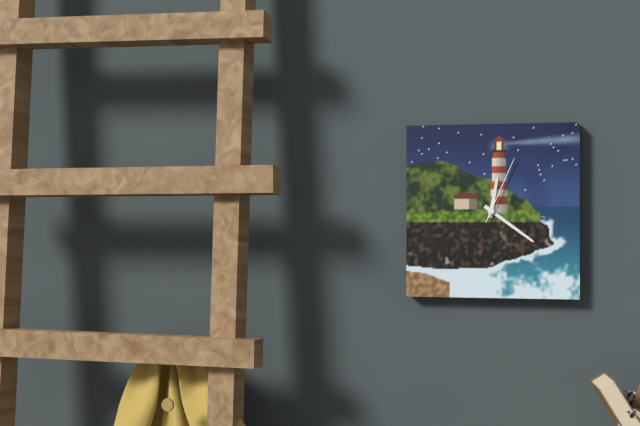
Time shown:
{"hour": 12, "minute": 21, "second": 4}
